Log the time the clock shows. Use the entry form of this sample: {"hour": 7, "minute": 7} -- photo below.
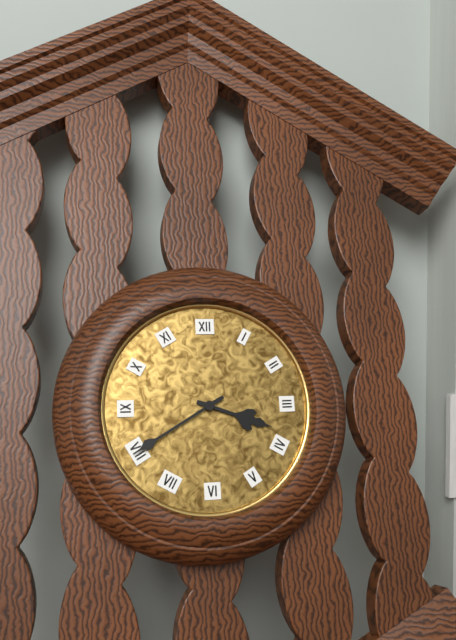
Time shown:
{"hour": 3, "minute": 40}
